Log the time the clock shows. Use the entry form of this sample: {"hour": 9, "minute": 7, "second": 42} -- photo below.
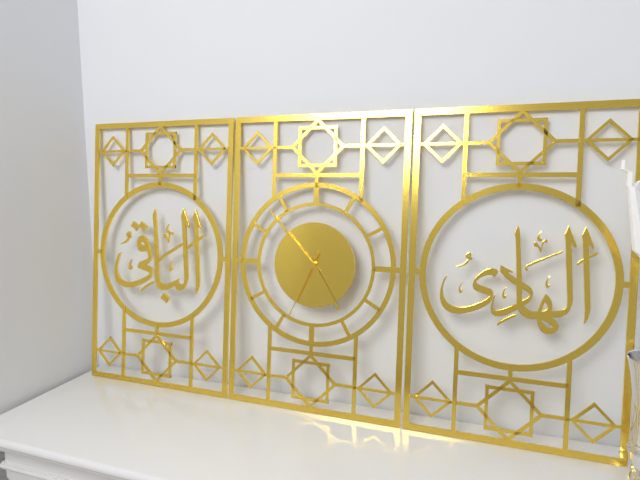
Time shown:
{"hour": 4, "minute": 53, "second": 34}
